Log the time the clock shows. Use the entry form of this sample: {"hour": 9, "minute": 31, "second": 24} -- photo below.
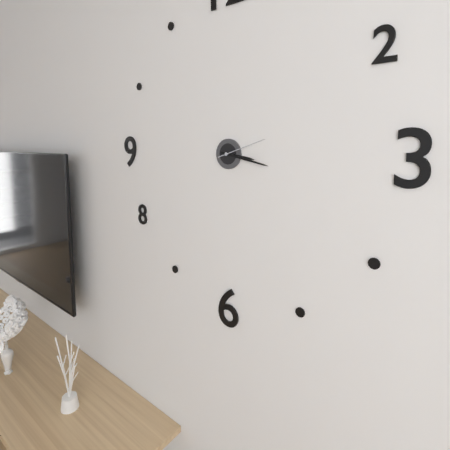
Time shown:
{"hour": 3, "minute": 17, "second": 12}
